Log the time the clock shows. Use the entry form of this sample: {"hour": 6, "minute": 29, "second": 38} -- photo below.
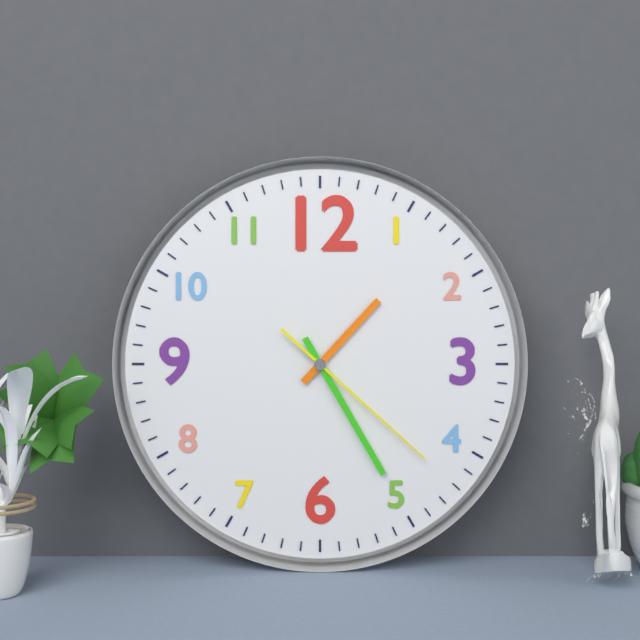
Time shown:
{"hour": 1, "minute": 25, "second": 22}
